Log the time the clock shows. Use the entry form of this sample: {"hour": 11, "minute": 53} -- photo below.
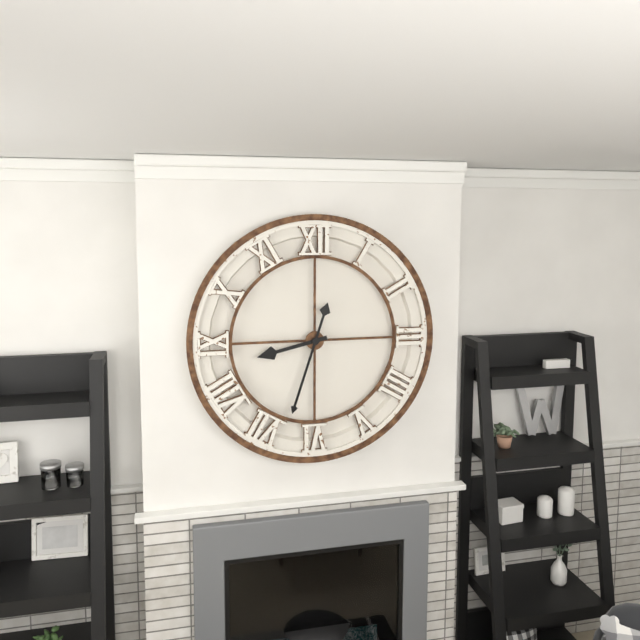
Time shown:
{"hour": 8, "minute": 33}
